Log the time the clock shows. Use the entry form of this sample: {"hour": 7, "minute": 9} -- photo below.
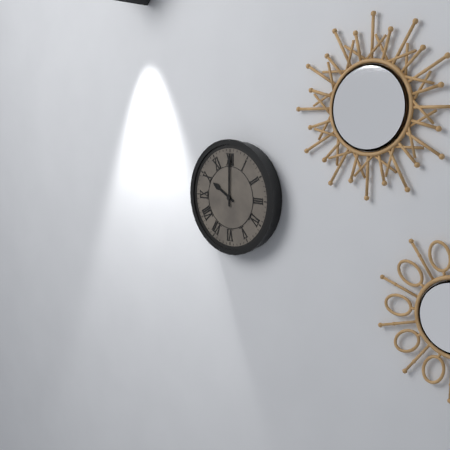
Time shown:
{"hour": 10, "minute": 0}
